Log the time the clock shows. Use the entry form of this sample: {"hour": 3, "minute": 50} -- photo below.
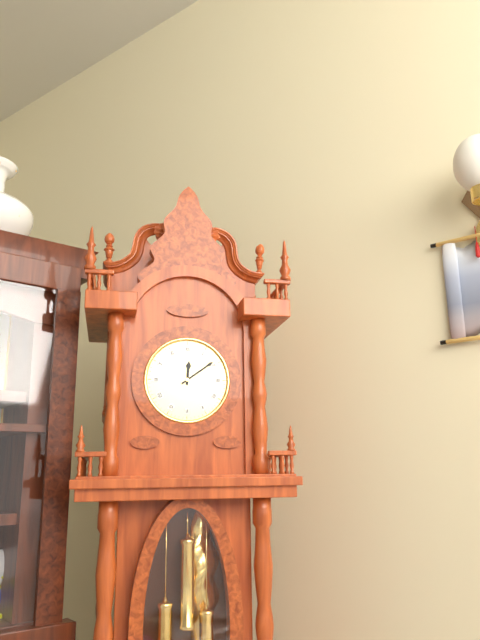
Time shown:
{"hour": 12, "minute": 9}
